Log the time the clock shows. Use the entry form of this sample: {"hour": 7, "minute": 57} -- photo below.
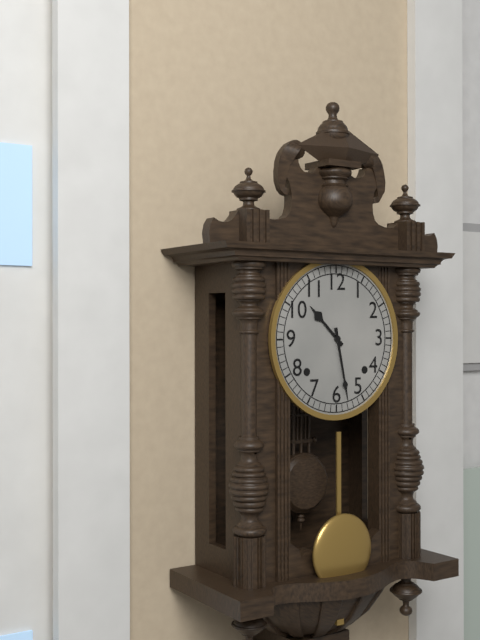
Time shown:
{"hour": 10, "minute": 28}
